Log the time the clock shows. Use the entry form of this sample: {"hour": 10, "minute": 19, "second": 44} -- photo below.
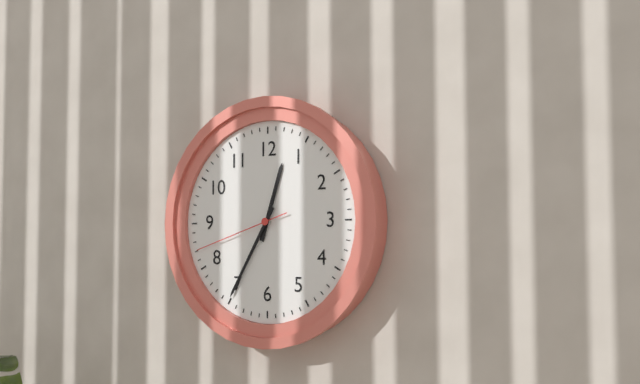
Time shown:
{"hour": 12, "minute": 35, "second": 42}
